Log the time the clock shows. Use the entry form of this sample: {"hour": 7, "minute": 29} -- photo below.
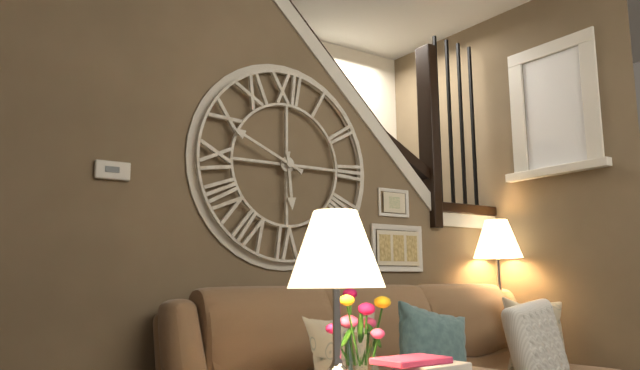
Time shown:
{"hour": 5, "minute": 49}
